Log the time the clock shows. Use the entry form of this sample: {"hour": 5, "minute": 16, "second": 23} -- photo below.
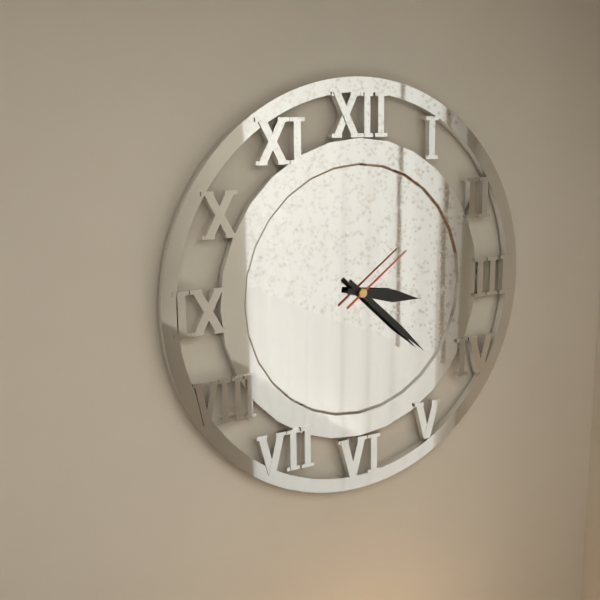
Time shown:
{"hour": 3, "minute": 22, "second": 9}
